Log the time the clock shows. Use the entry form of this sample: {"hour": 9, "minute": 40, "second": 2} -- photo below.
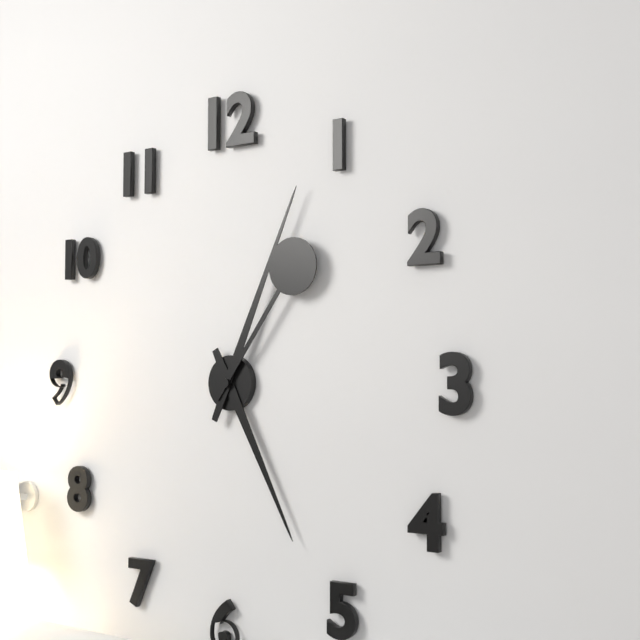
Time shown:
{"hour": 5, "minute": 4, "second": 6}
